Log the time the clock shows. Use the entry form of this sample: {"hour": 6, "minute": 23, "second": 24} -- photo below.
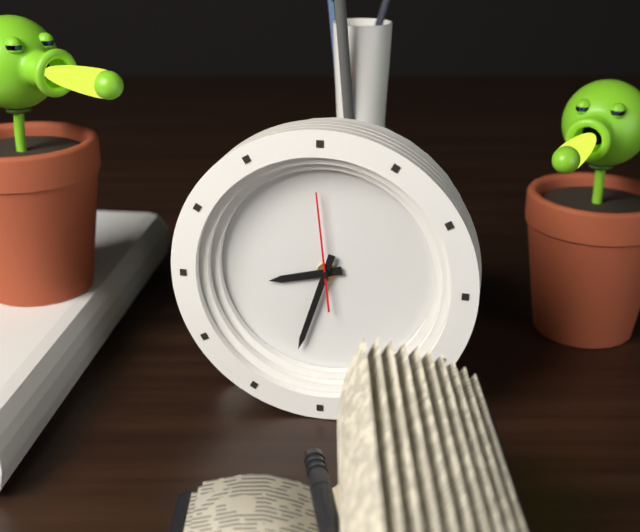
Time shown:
{"hour": 8, "minute": 33, "second": 59}
